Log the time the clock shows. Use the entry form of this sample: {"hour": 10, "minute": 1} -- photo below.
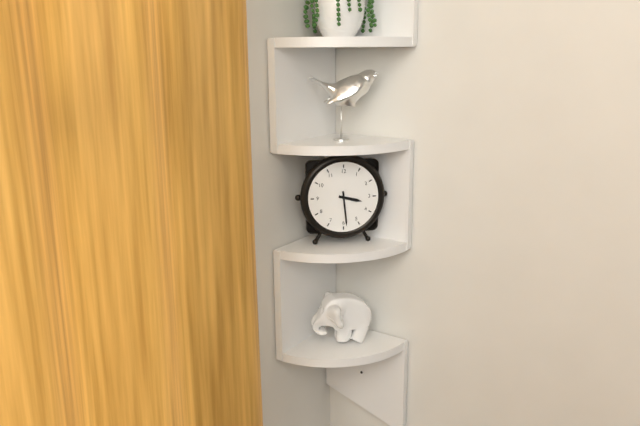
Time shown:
{"hour": 3, "minute": 29}
